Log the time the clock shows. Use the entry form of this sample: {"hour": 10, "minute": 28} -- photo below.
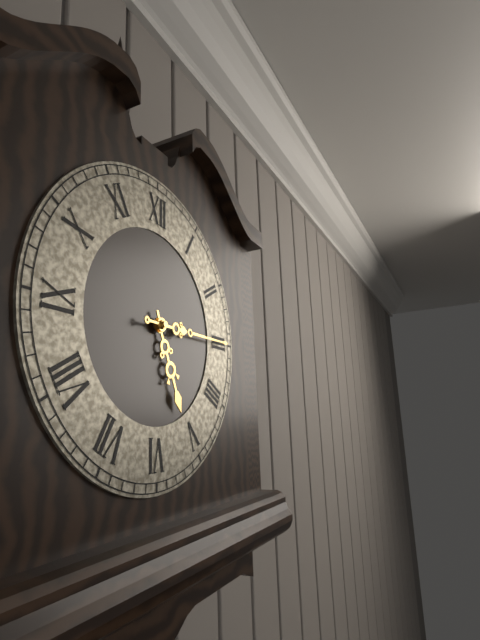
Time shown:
{"hour": 5, "minute": 15}
